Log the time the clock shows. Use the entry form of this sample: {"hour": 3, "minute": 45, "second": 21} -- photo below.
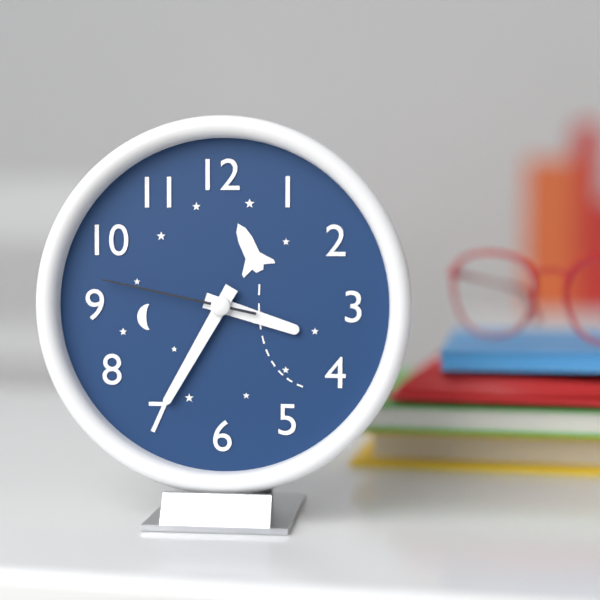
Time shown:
{"hour": 3, "minute": 35, "second": 47}
